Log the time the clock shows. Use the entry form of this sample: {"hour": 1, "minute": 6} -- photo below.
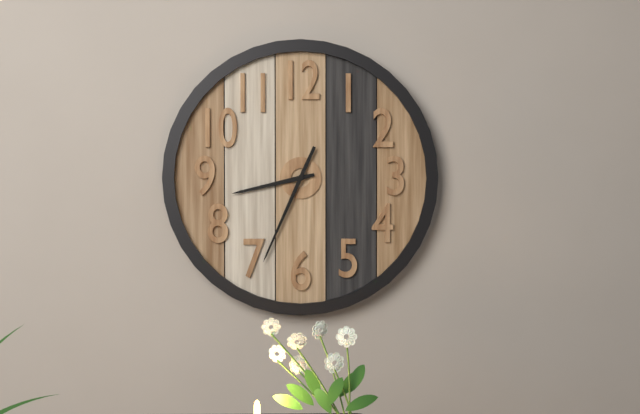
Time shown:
{"hour": 8, "minute": 34}
